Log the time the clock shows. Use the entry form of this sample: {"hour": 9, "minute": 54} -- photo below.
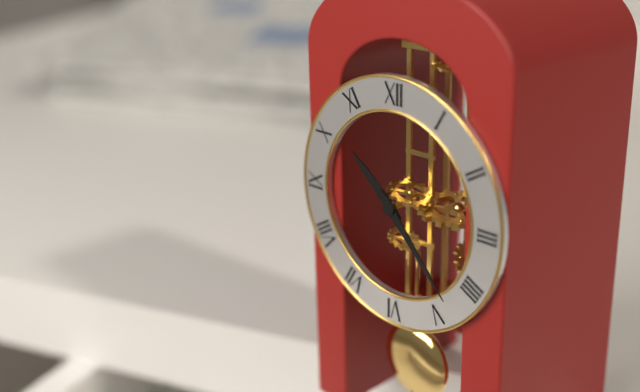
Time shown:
{"hour": 10, "minute": 23}
